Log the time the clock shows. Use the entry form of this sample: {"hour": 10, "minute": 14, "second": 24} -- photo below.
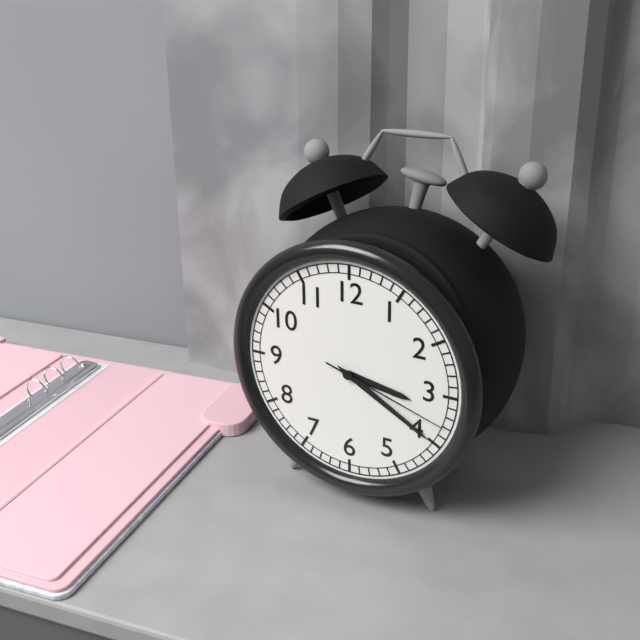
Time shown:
{"hour": 3, "minute": 20, "second": 18}
